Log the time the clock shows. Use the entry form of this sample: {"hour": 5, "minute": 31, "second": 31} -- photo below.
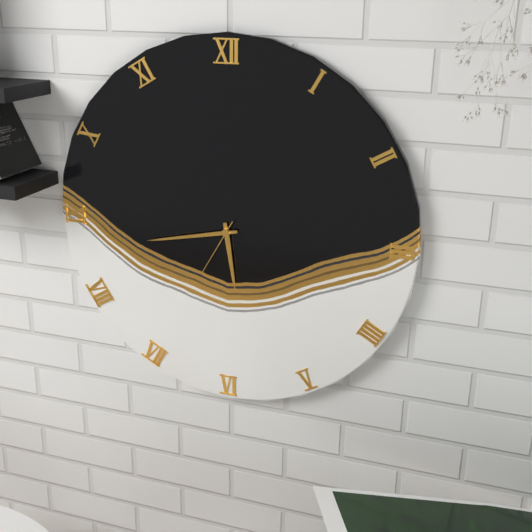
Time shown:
{"hour": 5, "minute": 43, "second": 35}
